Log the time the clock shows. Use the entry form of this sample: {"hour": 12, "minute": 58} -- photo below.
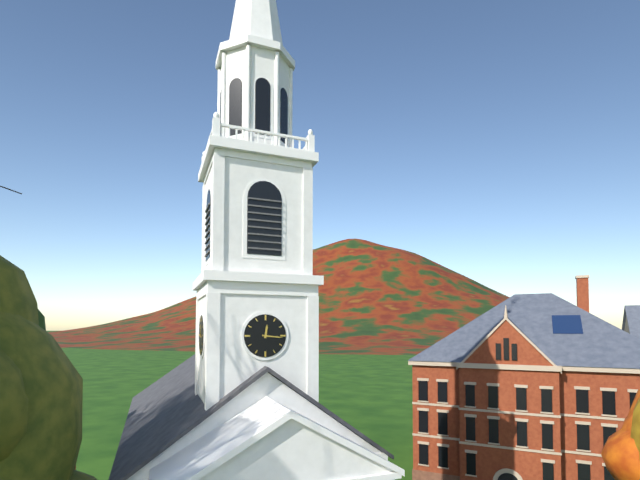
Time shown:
{"hour": 12, "minute": 16}
